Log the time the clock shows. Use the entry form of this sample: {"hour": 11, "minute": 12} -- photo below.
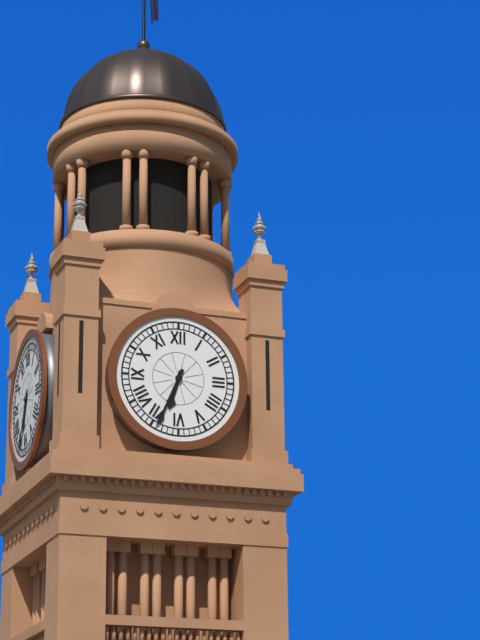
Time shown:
{"hour": 6, "minute": 34}
